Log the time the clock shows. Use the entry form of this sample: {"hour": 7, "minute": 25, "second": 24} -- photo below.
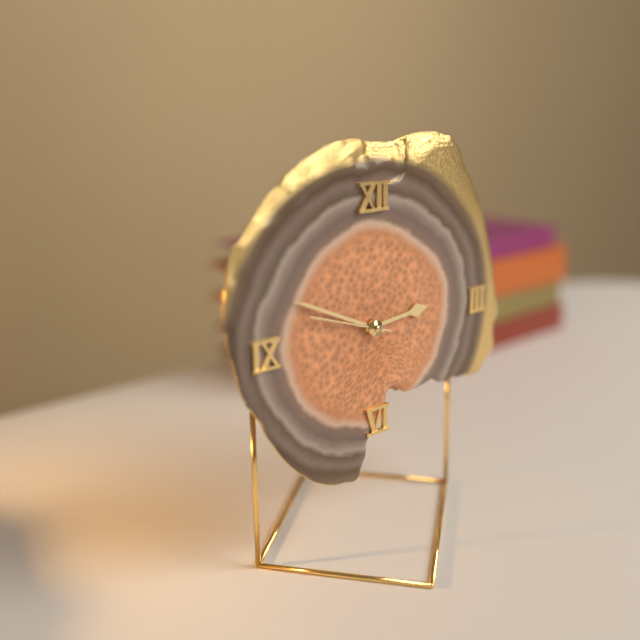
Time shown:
{"hour": 2, "minute": 49, "second": 48}
